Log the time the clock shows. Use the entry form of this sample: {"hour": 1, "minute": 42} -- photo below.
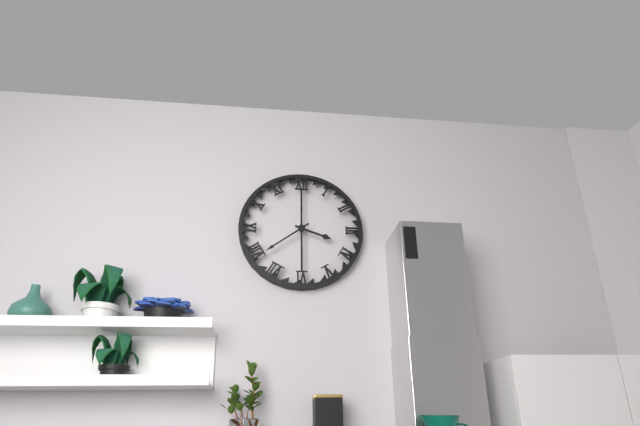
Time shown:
{"hour": 3, "minute": 39}
